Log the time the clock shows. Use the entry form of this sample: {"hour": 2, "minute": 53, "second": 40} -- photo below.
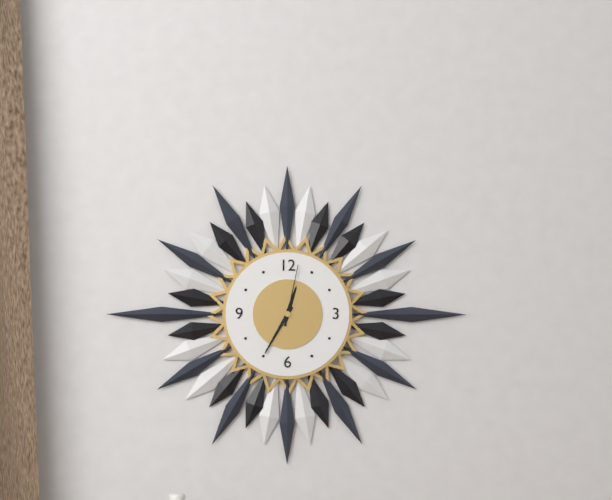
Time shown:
{"hour": 12, "minute": 35, "second": 2}
